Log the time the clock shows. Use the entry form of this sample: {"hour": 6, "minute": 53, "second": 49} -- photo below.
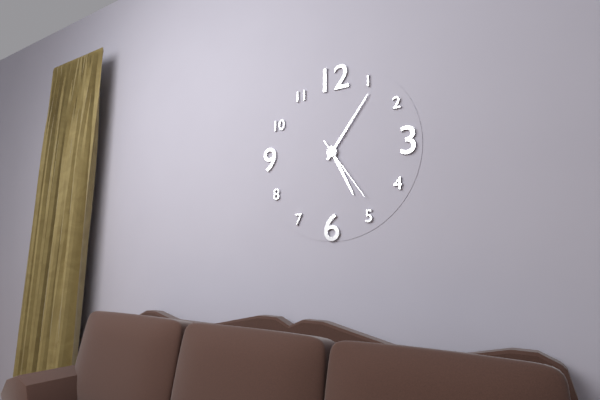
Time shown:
{"hour": 5, "minute": 6, "second": 24}
